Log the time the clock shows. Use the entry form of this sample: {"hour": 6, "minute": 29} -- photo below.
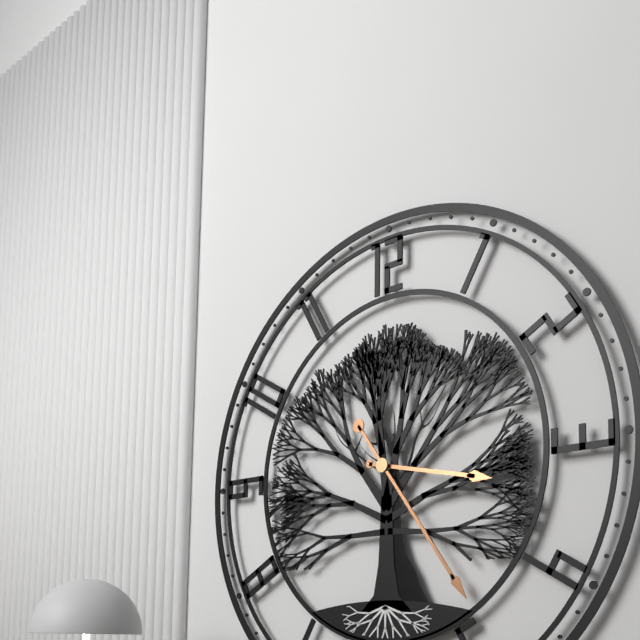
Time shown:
{"hour": 3, "minute": 24}
